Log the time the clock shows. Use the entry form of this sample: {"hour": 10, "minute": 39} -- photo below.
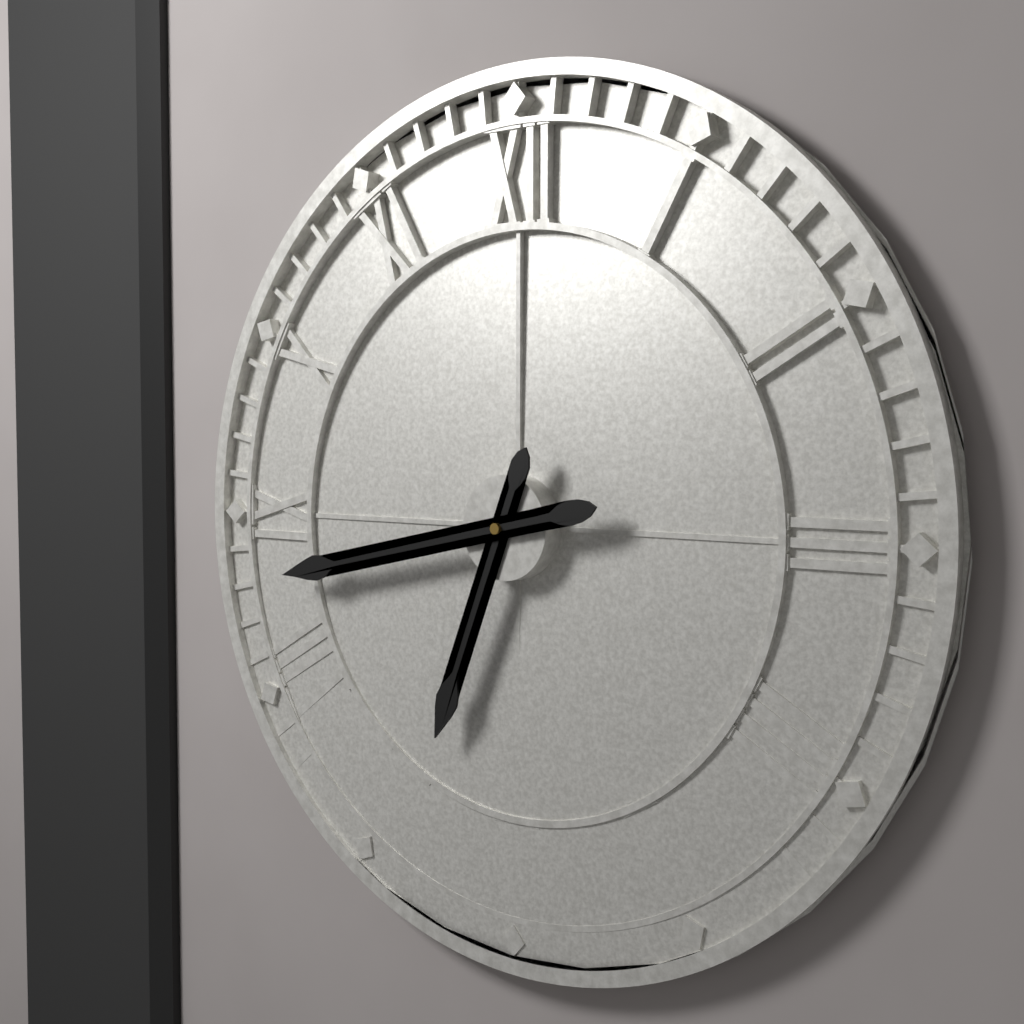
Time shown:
{"hour": 6, "minute": 43}
